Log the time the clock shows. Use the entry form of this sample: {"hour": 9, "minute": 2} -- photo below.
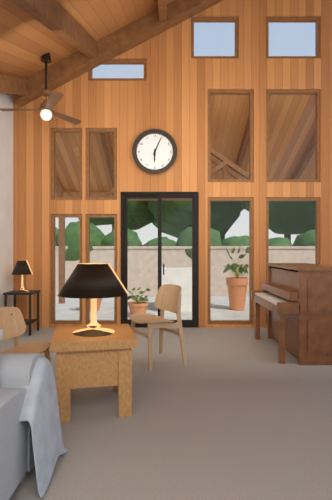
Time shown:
{"hour": 6, "minute": 4}
